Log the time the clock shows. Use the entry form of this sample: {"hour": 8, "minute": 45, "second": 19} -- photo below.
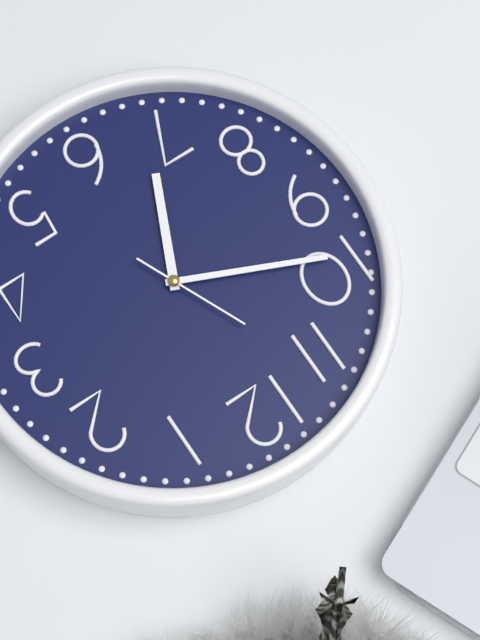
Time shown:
{"hour": 6, "minute": 49, "second": 56}
